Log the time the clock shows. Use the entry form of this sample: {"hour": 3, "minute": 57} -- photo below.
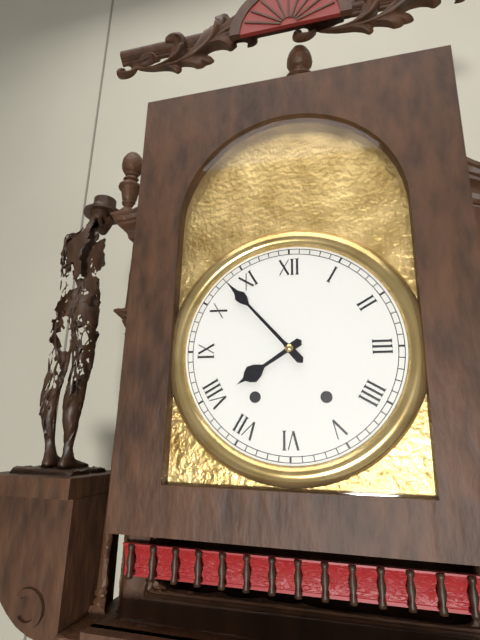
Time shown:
{"hour": 7, "minute": 53}
